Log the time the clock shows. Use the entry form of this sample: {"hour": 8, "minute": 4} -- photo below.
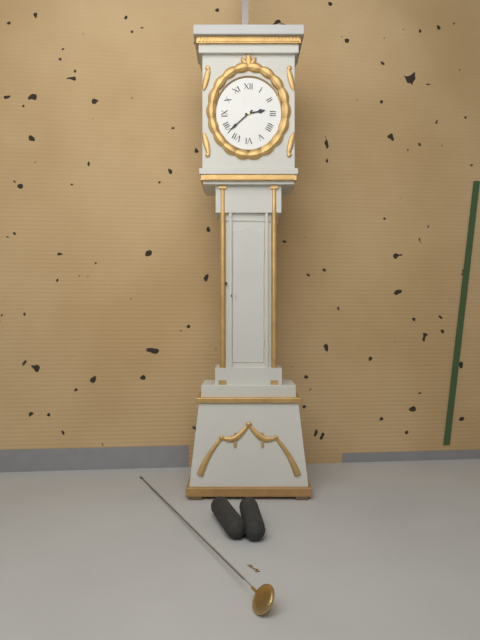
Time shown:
{"hour": 2, "minute": 38}
